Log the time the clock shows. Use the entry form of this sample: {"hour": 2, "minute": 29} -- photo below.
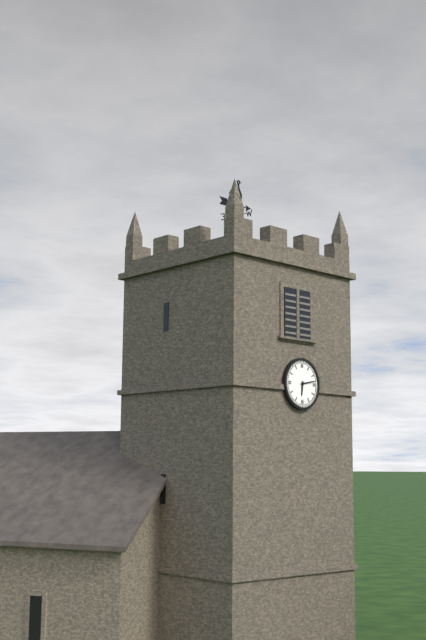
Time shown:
{"hour": 6, "minute": 13}
